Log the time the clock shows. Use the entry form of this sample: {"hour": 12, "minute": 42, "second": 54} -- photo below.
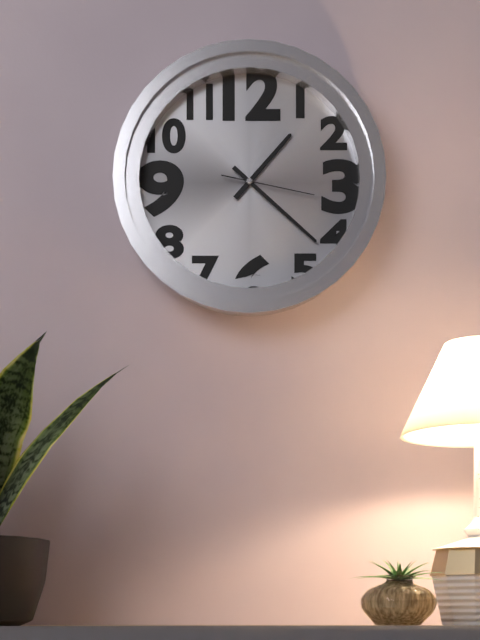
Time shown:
{"hour": 1, "minute": 22, "second": 17}
